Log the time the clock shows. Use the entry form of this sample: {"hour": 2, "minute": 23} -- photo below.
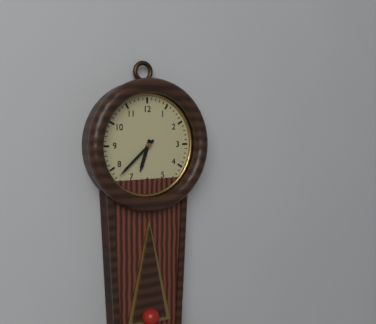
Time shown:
{"hour": 6, "minute": 38}
